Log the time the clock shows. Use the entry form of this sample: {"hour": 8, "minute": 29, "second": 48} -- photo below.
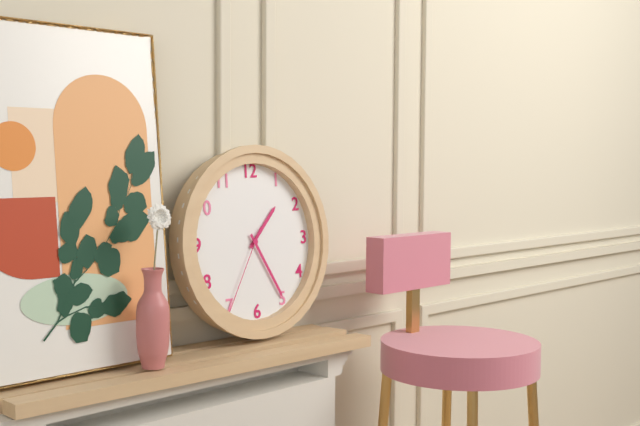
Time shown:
{"hour": 1, "minute": 25, "second": 35}
